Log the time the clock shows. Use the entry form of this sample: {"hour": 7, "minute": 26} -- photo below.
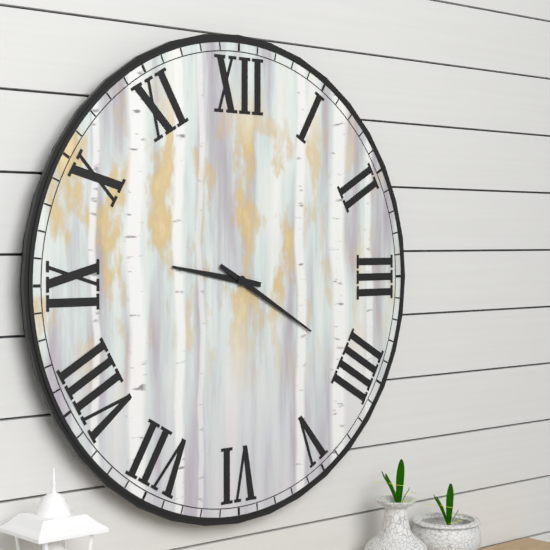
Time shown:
{"hour": 9, "minute": 20}
